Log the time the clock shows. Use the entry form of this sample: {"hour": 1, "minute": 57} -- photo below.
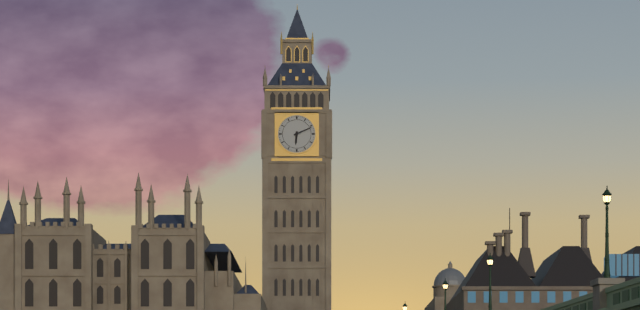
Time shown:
{"hour": 6, "minute": 11}
